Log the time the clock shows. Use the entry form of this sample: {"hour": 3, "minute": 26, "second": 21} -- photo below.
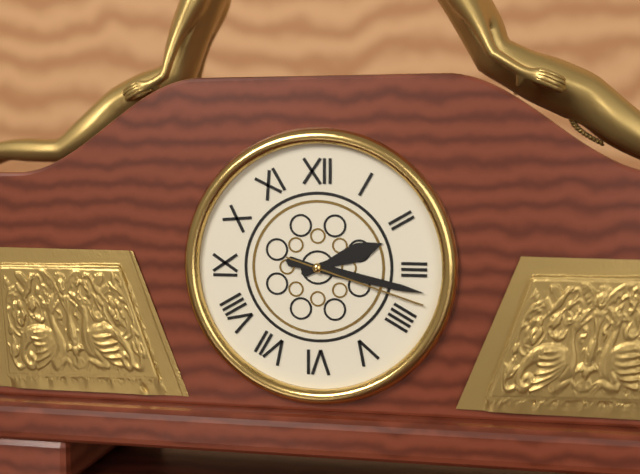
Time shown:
{"hour": 2, "minute": 17, "second": 18}
